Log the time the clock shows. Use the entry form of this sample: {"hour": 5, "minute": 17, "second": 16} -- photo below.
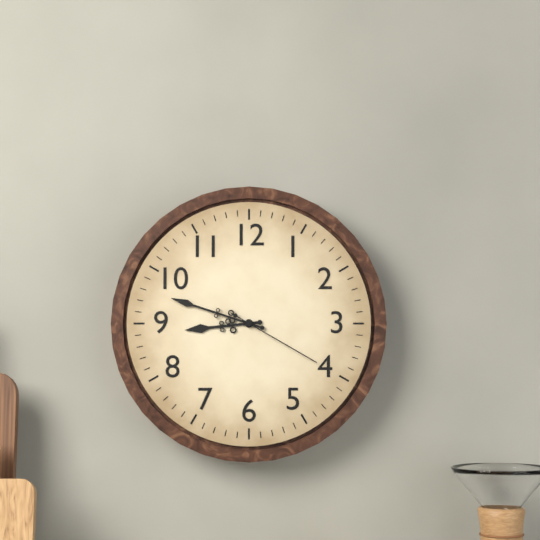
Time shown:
{"hour": 8, "minute": 48, "second": 20}
